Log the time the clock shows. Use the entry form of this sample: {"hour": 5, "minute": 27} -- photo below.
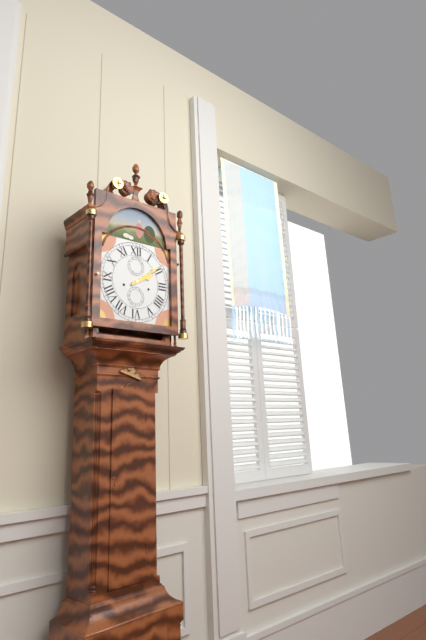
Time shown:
{"hour": 2, "minute": 9}
